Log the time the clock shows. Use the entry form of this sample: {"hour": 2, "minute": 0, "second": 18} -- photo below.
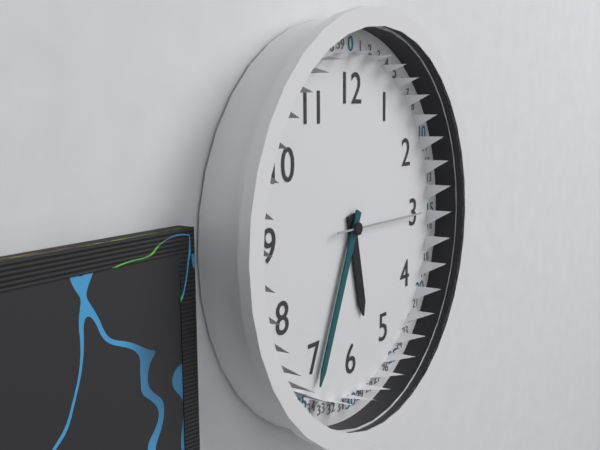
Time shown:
{"hour": 5, "minute": 34, "second": 15}
